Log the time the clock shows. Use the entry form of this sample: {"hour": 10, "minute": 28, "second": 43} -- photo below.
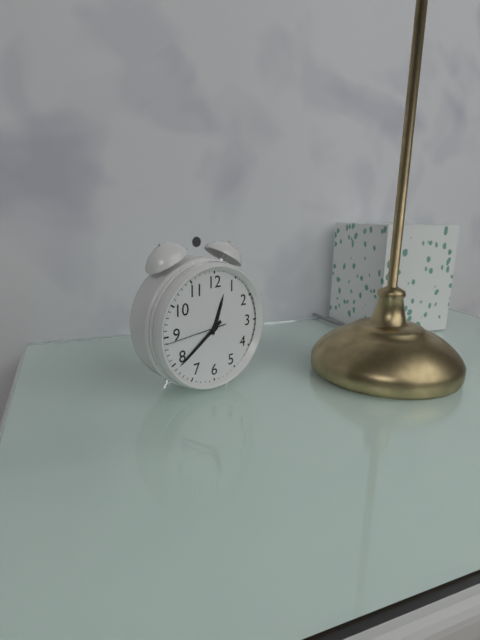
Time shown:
{"hour": 12, "minute": 39, "second": 44}
